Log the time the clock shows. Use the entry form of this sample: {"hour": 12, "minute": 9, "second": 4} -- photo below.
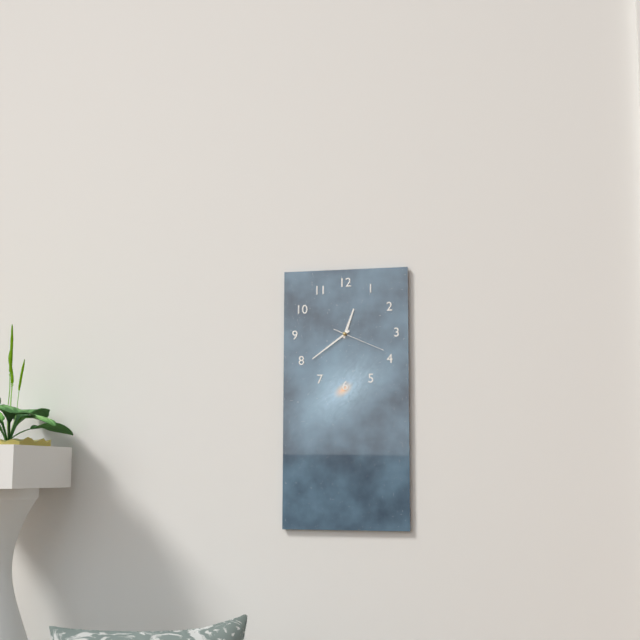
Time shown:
{"hour": 12, "minute": 39, "second": 19}
